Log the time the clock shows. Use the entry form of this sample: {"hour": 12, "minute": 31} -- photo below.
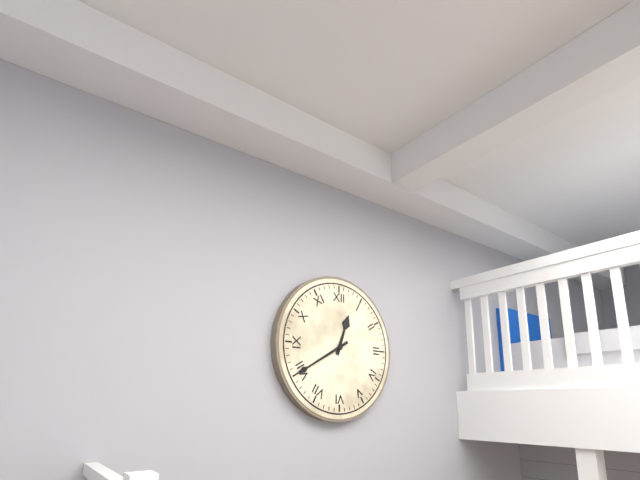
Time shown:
{"hour": 12, "minute": 40}
